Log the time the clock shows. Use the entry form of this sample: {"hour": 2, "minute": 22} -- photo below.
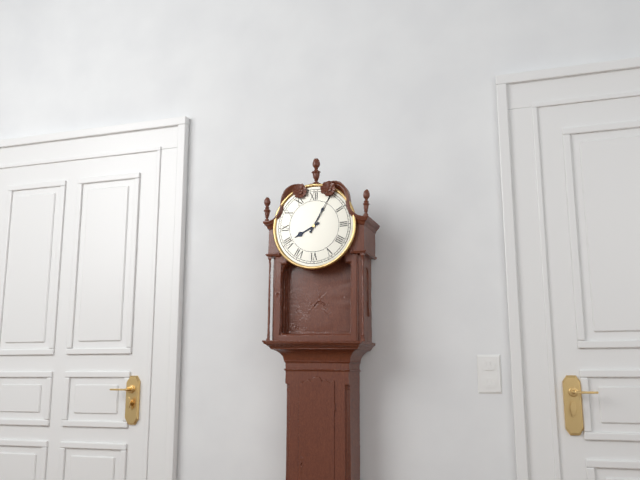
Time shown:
{"hour": 8, "minute": 5}
